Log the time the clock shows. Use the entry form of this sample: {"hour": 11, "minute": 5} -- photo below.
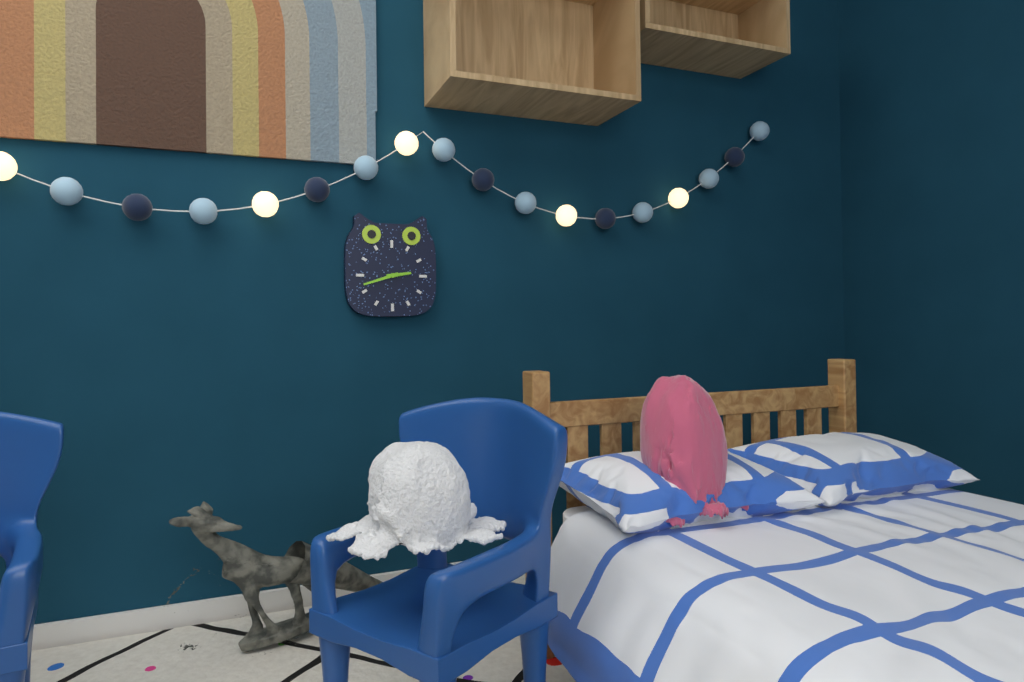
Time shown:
{"hour": 2, "minute": 42}
